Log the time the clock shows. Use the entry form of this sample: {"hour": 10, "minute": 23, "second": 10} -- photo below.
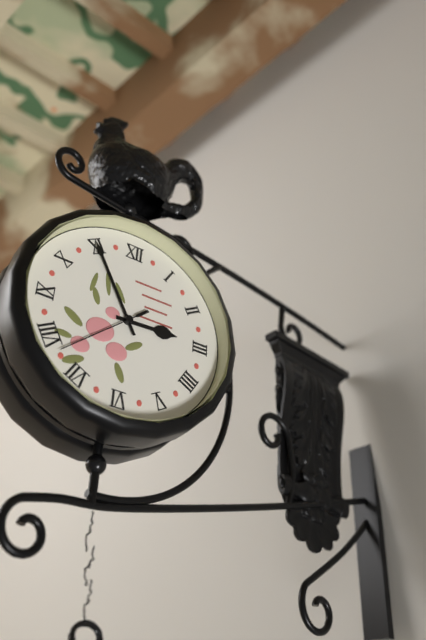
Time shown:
{"hour": 2, "minute": 55, "second": 38}
